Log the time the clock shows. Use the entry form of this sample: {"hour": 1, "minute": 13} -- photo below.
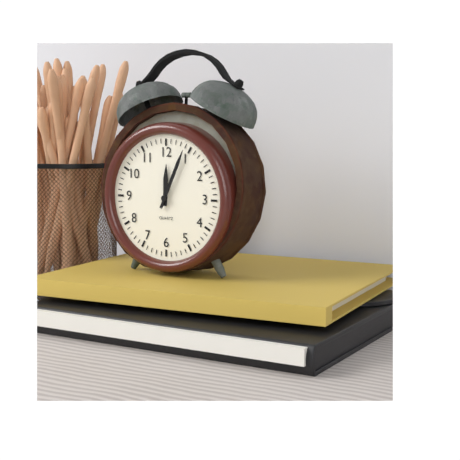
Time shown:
{"hour": 12, "minute": 4}
